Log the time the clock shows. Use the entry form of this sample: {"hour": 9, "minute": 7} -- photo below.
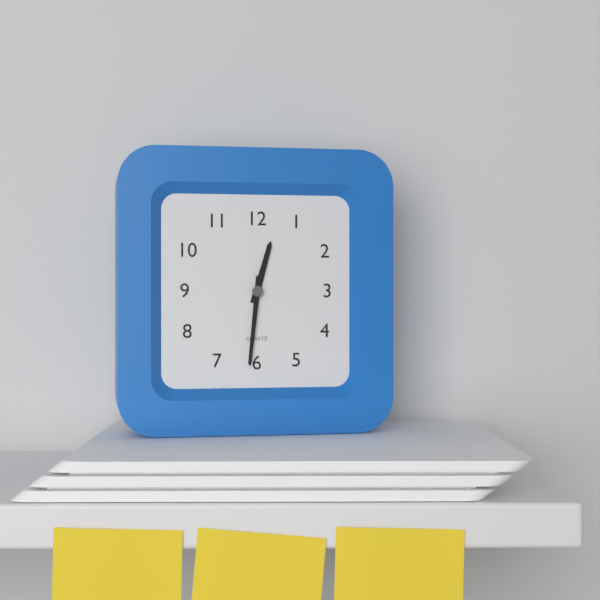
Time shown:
{"hour": 12, "minute": 31}
